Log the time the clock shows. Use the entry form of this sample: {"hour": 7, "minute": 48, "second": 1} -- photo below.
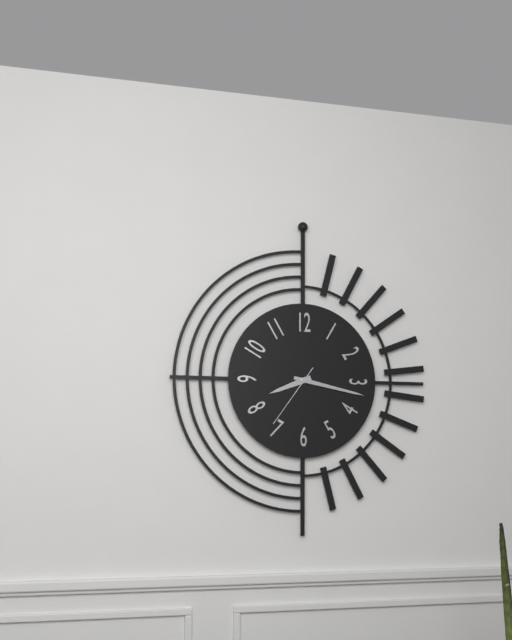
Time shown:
{"hour": 8, "minute": 17, "second": 36}
